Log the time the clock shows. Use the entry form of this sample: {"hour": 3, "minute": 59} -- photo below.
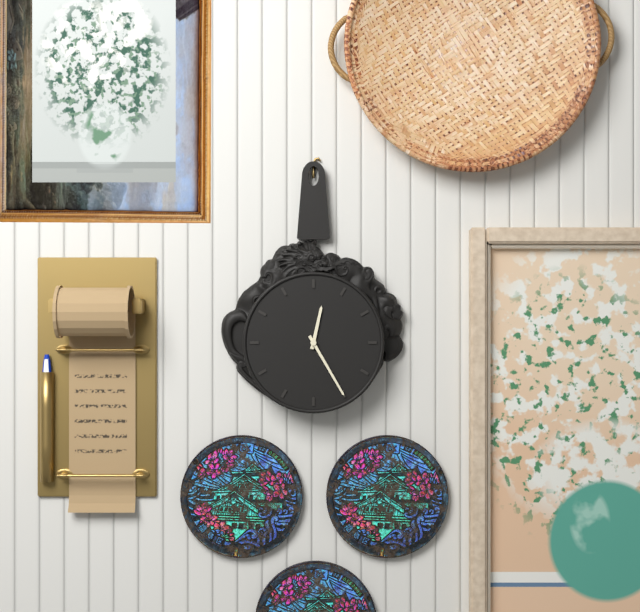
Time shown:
{"hour": 12, "minute": 25}
